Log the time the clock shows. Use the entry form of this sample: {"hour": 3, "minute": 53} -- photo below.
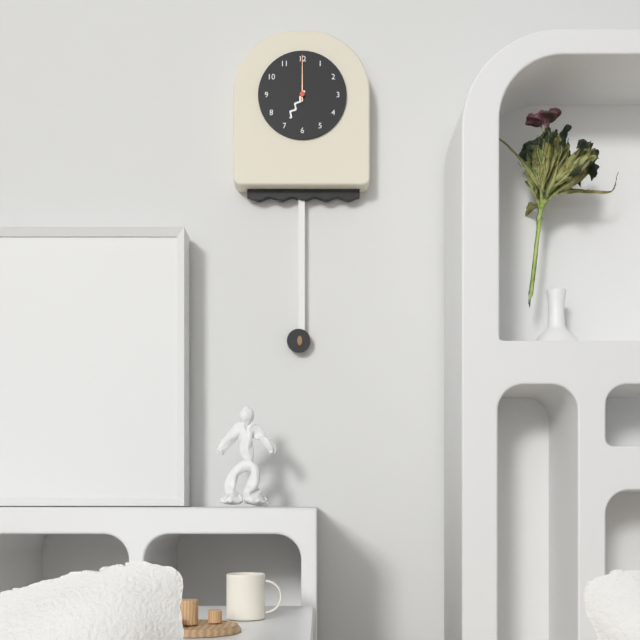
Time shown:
{"hour": 7, "minute": 0}
